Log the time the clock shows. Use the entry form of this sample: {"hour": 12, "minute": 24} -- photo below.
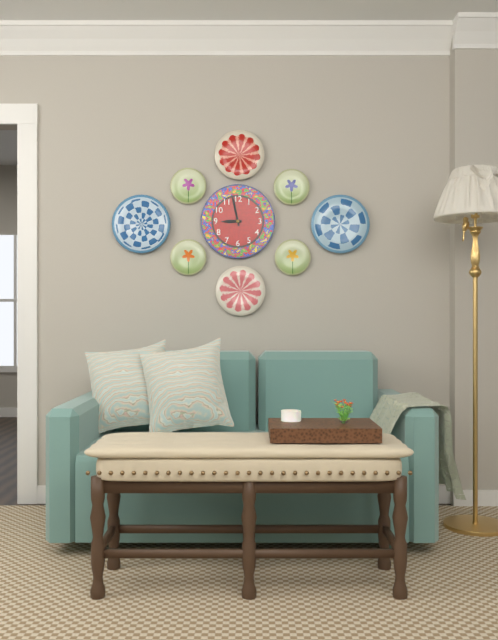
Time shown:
{"hour": 8, "minute": 58}
